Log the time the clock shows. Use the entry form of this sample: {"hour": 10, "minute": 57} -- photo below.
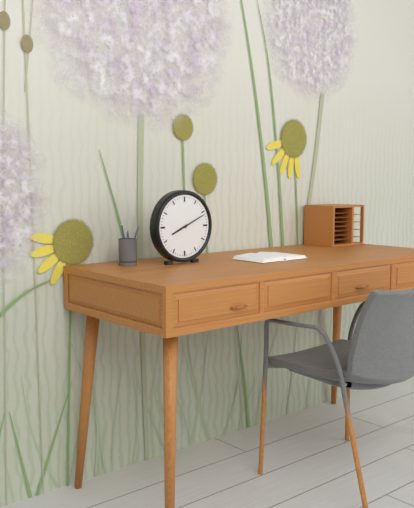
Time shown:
{"hour": 8, "minute": 11}
